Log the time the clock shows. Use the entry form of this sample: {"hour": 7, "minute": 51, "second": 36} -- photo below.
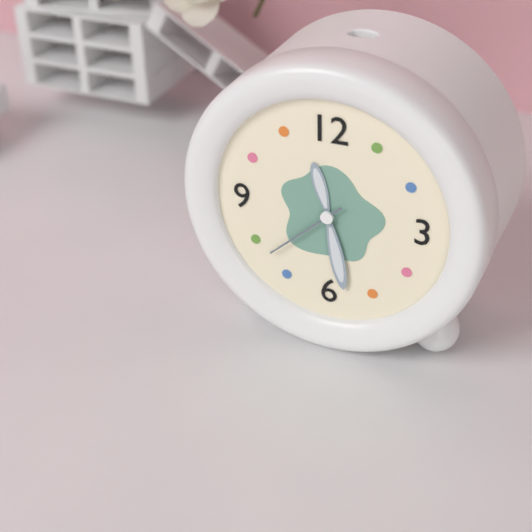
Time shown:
{"hour": 11, "minute": 28, "second": 38}
